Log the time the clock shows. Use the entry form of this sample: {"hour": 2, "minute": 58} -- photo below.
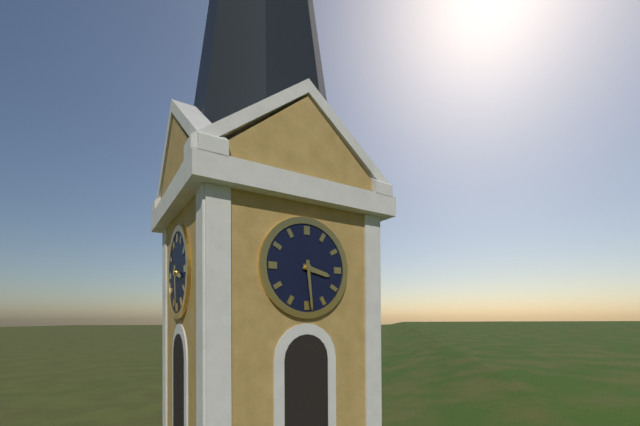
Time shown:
{"hour": 3, "minute": 29}
